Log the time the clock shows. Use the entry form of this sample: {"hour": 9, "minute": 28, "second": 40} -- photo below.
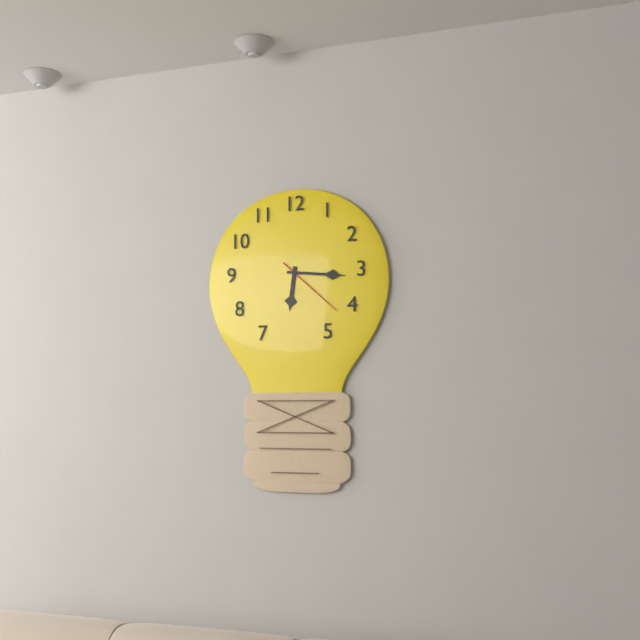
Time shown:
{"hour": 6, "minute": 16, "second": 22}
